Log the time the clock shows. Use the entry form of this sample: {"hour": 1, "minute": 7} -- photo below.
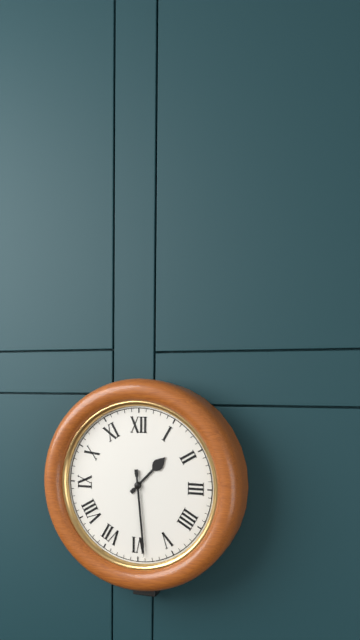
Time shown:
{"hour": 1, "minute": 29}
